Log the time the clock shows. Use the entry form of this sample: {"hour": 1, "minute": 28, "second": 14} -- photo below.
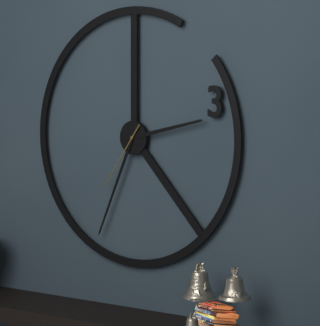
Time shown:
{"hour": 2, "minute": 34, "second": 36}
